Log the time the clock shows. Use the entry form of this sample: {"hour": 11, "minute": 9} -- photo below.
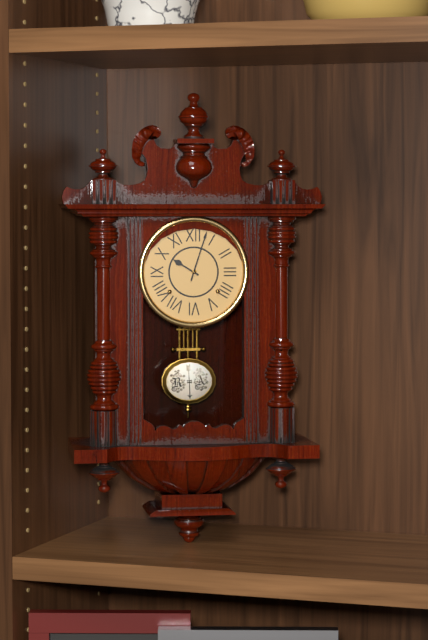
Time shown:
{"hour": 10, "minute": 3}
